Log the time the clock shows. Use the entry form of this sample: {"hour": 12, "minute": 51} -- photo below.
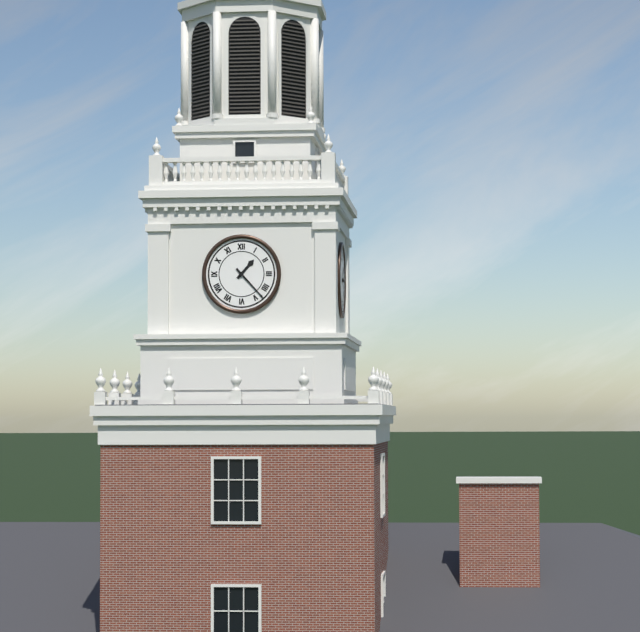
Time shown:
{"hour": 1, "minute": 23}
